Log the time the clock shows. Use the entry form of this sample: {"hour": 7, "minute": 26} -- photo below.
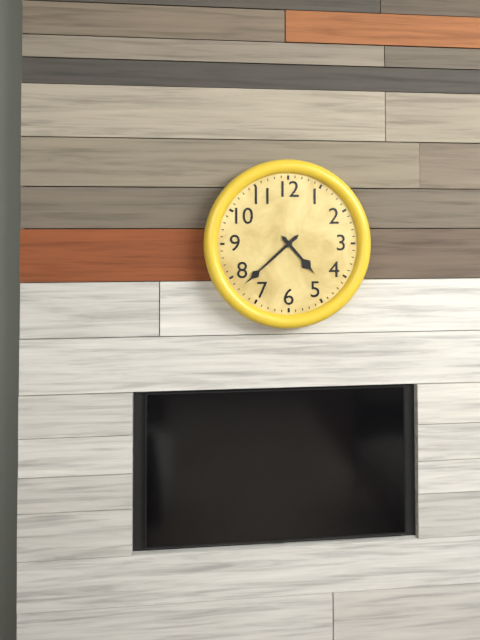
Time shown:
{"hour": 4, "minute": 38}
